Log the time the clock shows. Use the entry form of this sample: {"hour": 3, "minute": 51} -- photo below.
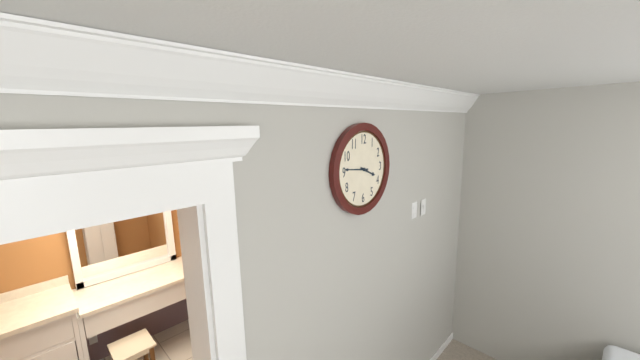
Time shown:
{"hour": 3, "minute": 46}
